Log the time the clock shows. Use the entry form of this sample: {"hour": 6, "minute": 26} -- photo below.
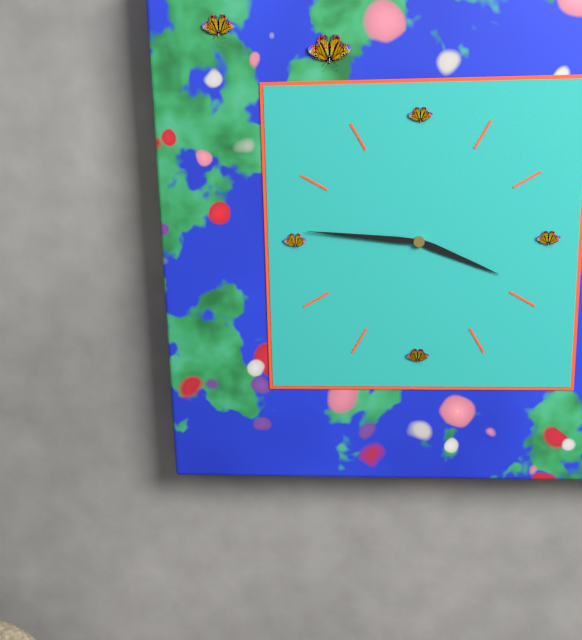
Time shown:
{"hour": 3, "minute": 46}
